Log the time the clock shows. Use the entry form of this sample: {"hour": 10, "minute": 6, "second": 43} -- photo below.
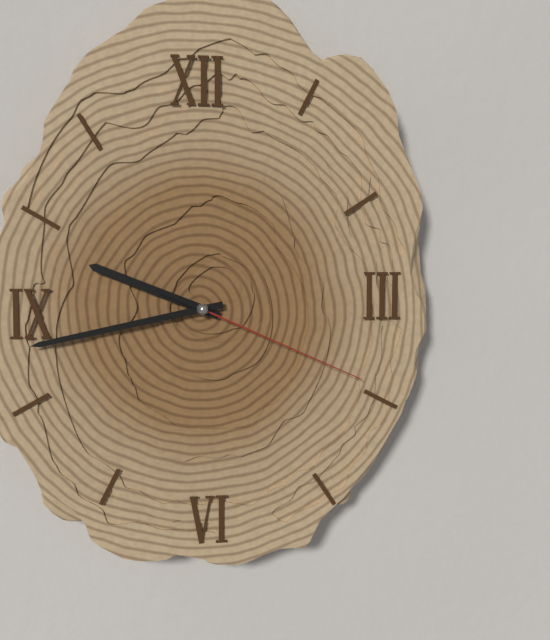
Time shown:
{"hour": 9, "minute": 43, "second": 19}
